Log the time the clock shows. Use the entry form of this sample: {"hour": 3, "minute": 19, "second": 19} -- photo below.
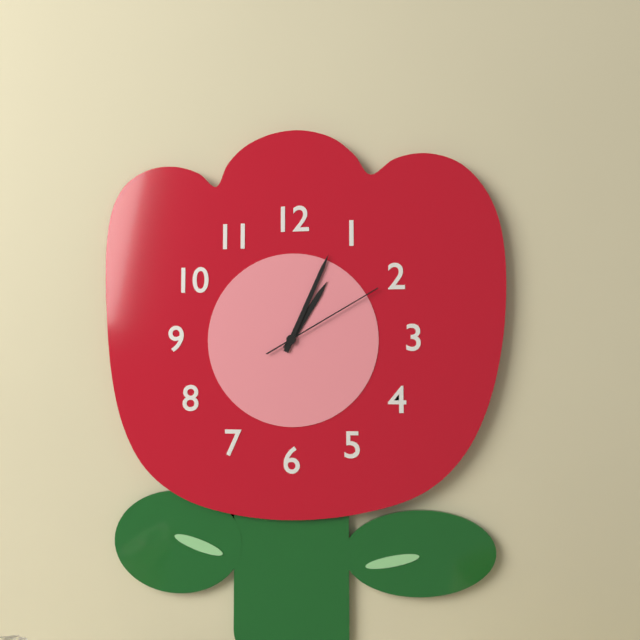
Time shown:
{"hour": 1, "minute": 4, "second": 10}
